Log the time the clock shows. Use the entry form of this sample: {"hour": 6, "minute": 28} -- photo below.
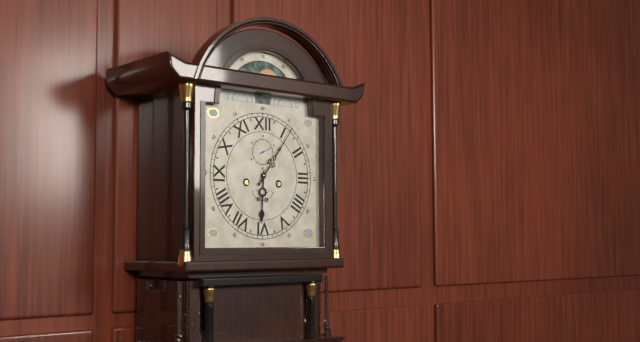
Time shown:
{"hour": 6, "minute": 6}
